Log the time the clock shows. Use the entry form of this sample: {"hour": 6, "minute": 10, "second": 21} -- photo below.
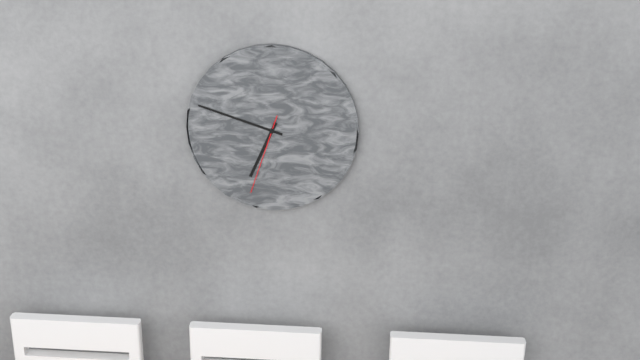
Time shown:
{"hour": 6, "minute": 48, "second": 33}
